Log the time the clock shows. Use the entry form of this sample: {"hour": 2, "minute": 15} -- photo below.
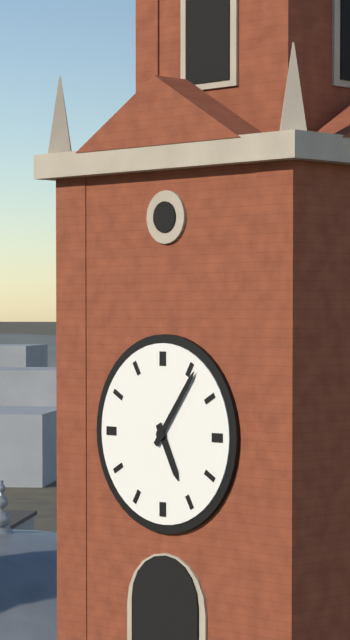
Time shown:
{"hour": 5, "minute": 6}
